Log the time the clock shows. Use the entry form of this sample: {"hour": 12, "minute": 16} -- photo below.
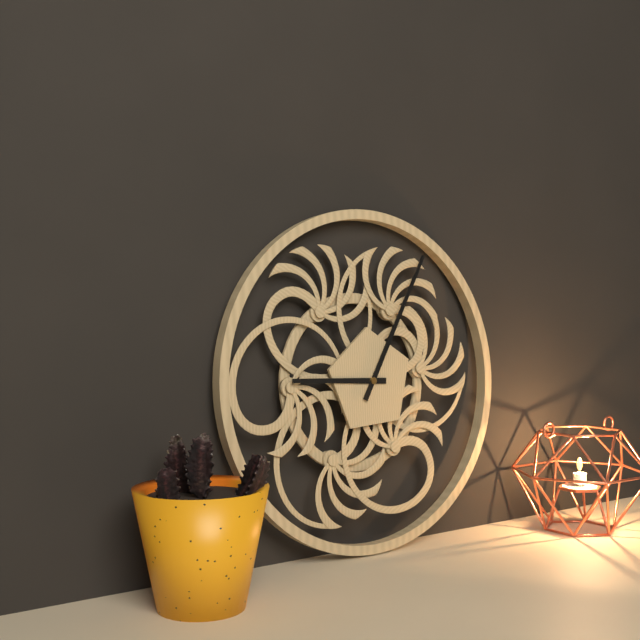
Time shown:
{"hour": 9, "minute": 5}
